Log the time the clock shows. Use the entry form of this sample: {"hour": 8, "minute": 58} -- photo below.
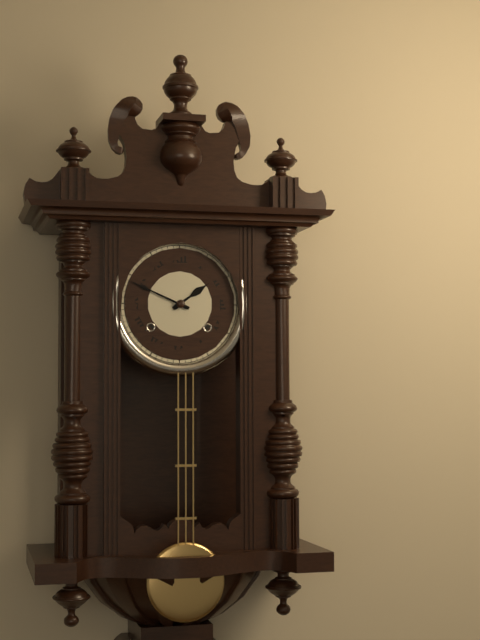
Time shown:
{"hour": 1, "minute": 49}
